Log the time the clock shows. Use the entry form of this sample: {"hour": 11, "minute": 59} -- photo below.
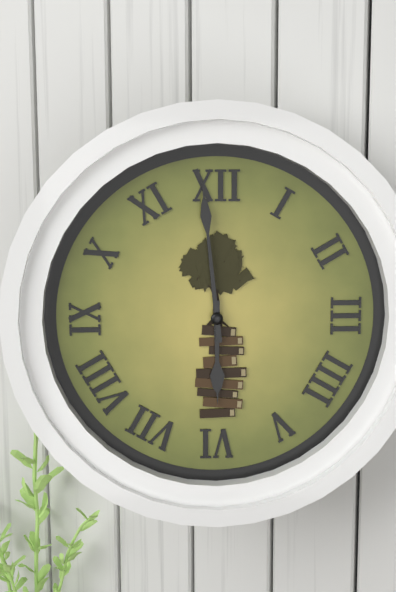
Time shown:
{"hour": 5, "minute": 59}
